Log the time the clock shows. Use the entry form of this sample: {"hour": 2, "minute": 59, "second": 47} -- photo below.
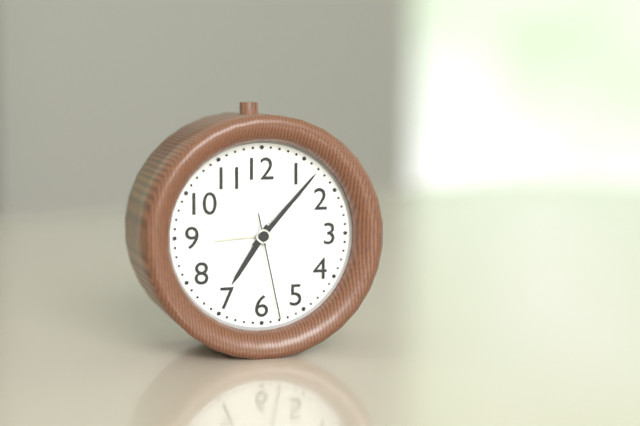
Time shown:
{"hour": 7, "minute": 7, "second": 28}
